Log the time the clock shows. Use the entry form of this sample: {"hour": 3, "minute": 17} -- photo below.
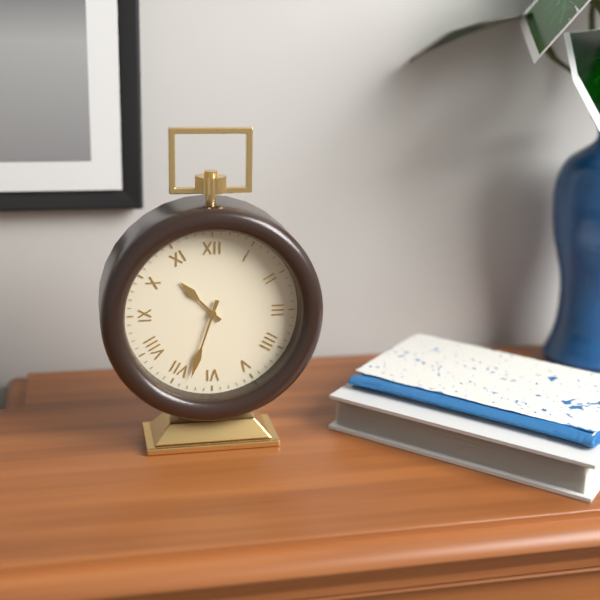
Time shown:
{"hour": 10, "minute": 33}
